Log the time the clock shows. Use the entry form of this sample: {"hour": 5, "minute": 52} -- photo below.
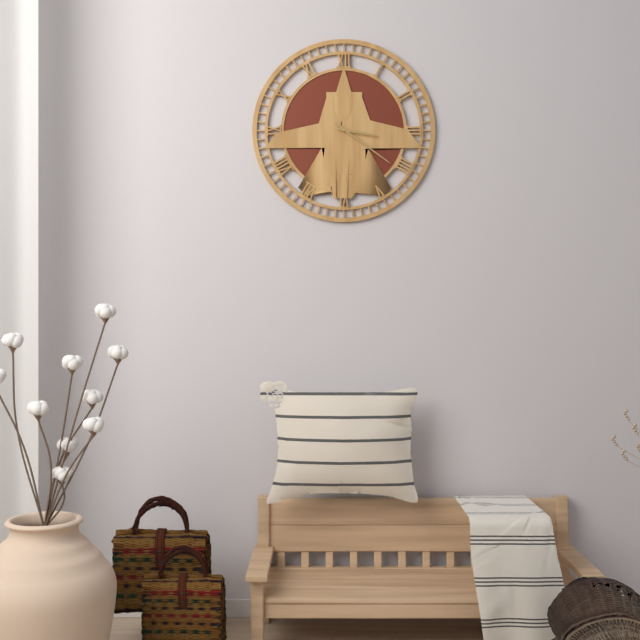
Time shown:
{"hour": 3, "minute": 21}
